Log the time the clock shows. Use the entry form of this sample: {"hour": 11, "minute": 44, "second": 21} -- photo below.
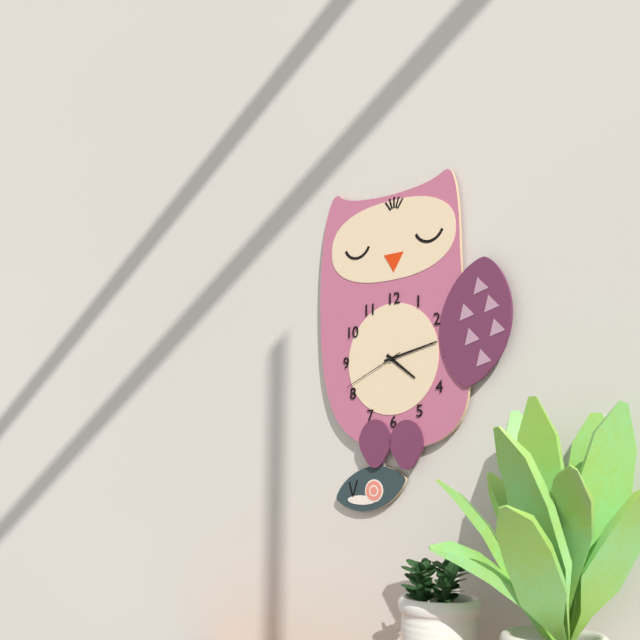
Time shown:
{"hour": 4, "minute": 13, "second": 41}
